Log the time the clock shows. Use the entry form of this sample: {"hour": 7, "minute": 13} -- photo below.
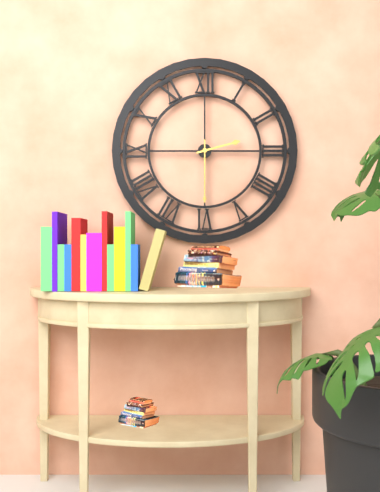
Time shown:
{"hour": 2, "minute": 30}
